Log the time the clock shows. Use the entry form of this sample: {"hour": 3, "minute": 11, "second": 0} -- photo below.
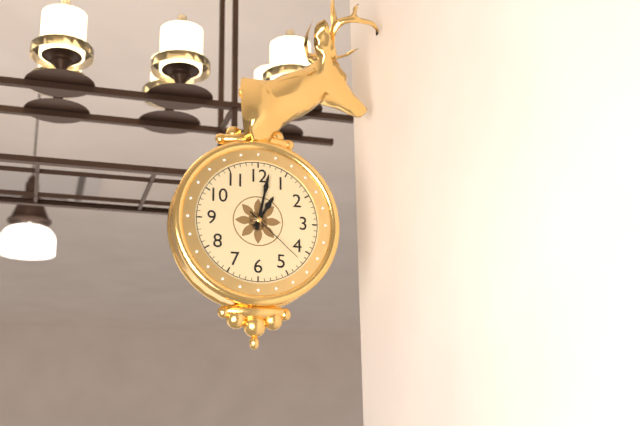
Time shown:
{"hour": 1, "minute": 2, "second": 22}
